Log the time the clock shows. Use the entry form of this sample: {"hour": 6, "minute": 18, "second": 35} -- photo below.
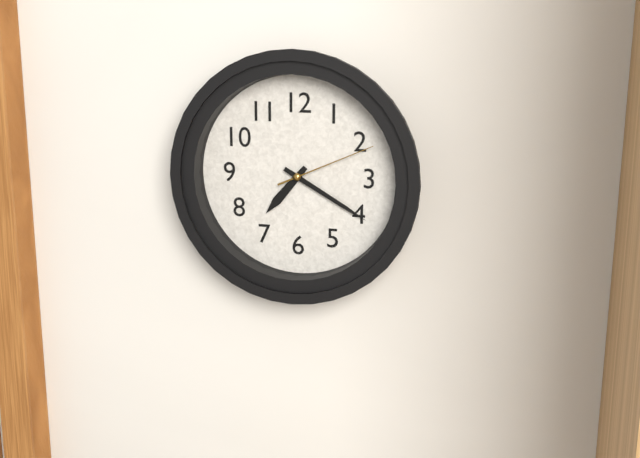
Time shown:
{"hour": 7, "minute": 20, "second": 11}
